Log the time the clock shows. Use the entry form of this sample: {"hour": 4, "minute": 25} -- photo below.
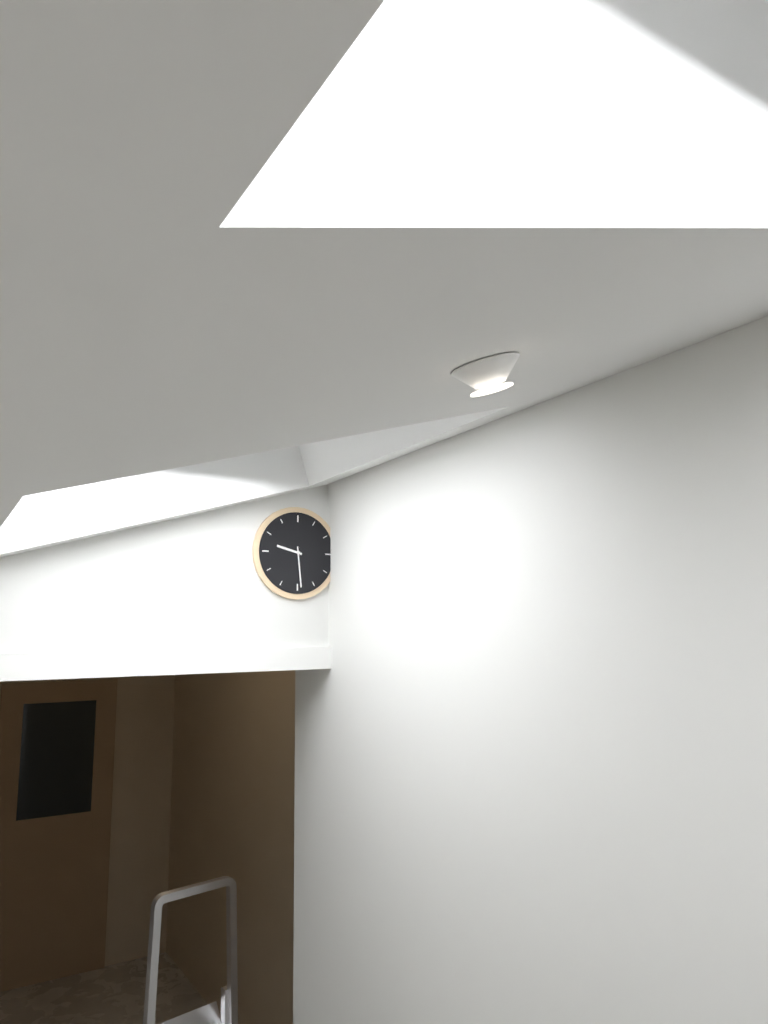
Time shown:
{"hour": 9, "minute": 29}
